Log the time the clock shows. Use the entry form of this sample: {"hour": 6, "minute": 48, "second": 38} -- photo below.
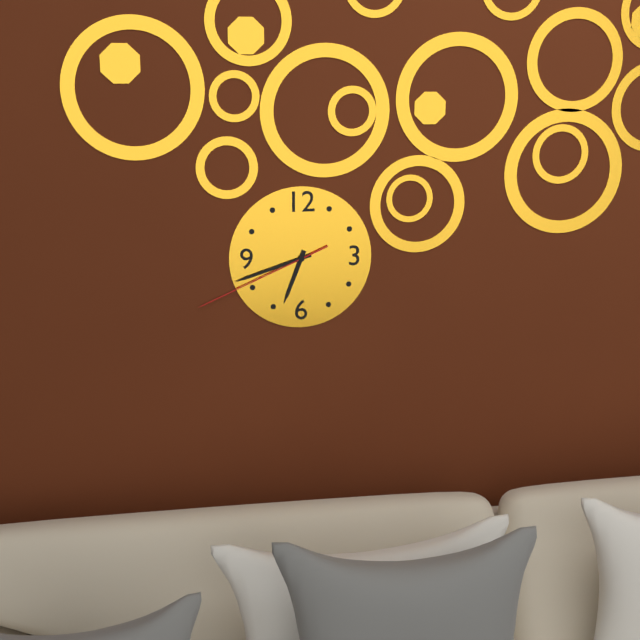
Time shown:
{"hour": 6, "minute": 42, "second": 41}
